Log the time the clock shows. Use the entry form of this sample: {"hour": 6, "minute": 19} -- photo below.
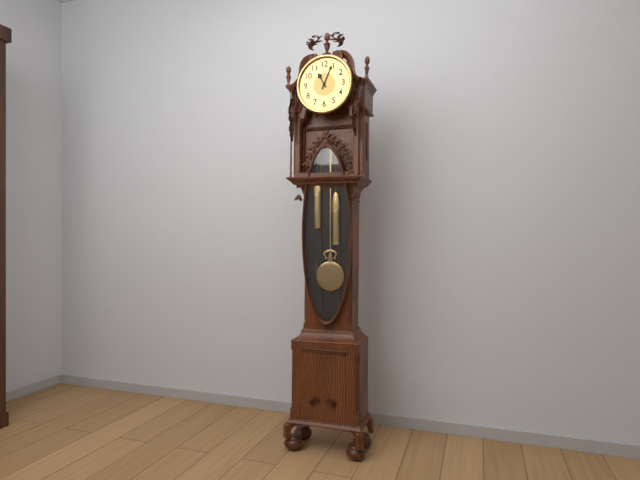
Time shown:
{"hour": 11, "minute": 4}
